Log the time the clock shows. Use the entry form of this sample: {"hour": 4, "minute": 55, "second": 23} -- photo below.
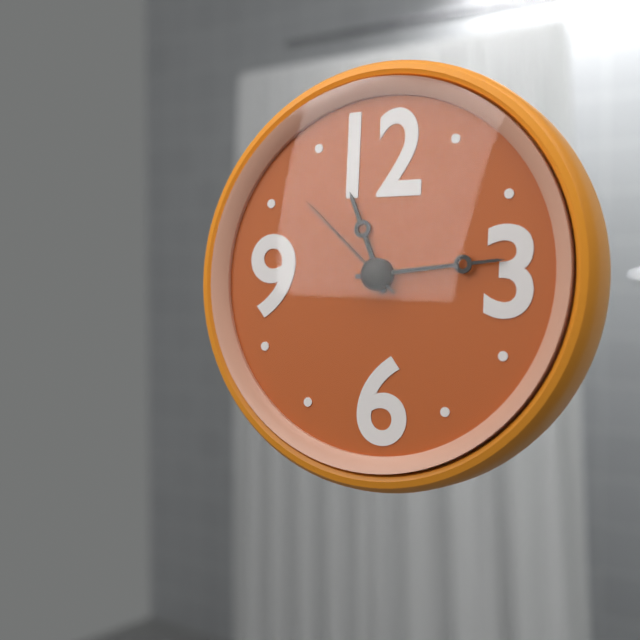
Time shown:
{"hour": 11, "minute": 14, "second": 52}
